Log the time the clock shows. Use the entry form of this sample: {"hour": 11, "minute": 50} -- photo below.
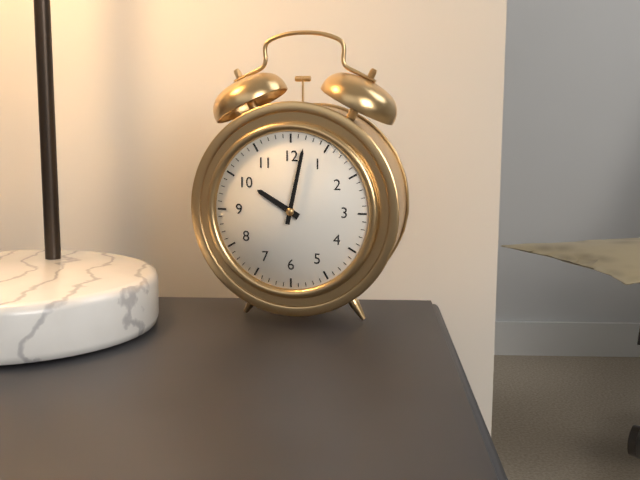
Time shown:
{"hour": 10, "minute": 2}
